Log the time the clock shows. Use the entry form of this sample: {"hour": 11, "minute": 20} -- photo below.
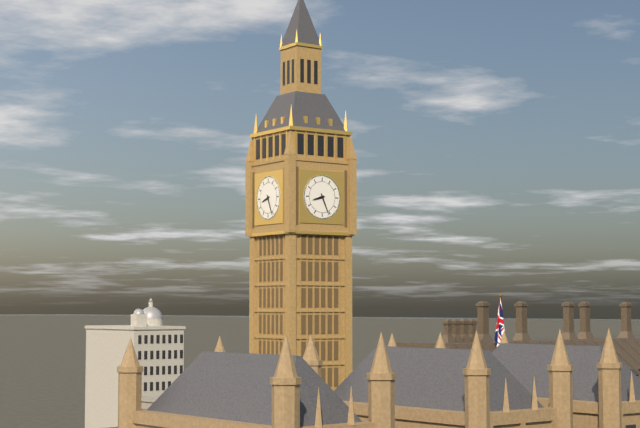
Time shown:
{"hour": 8, "minute": 26}
